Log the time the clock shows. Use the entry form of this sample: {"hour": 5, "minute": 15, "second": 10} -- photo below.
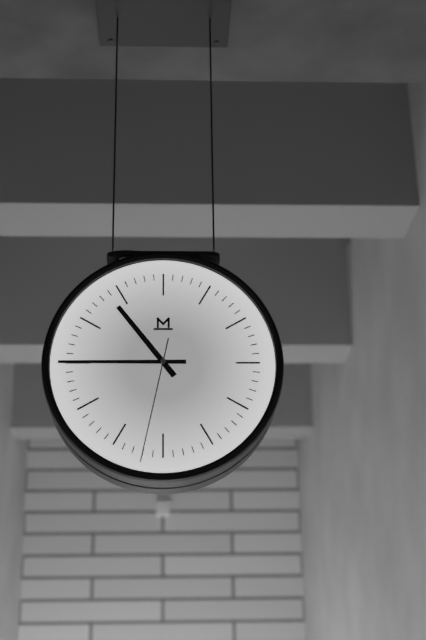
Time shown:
{"hour": 10, "minute": 45, "second": 32}
